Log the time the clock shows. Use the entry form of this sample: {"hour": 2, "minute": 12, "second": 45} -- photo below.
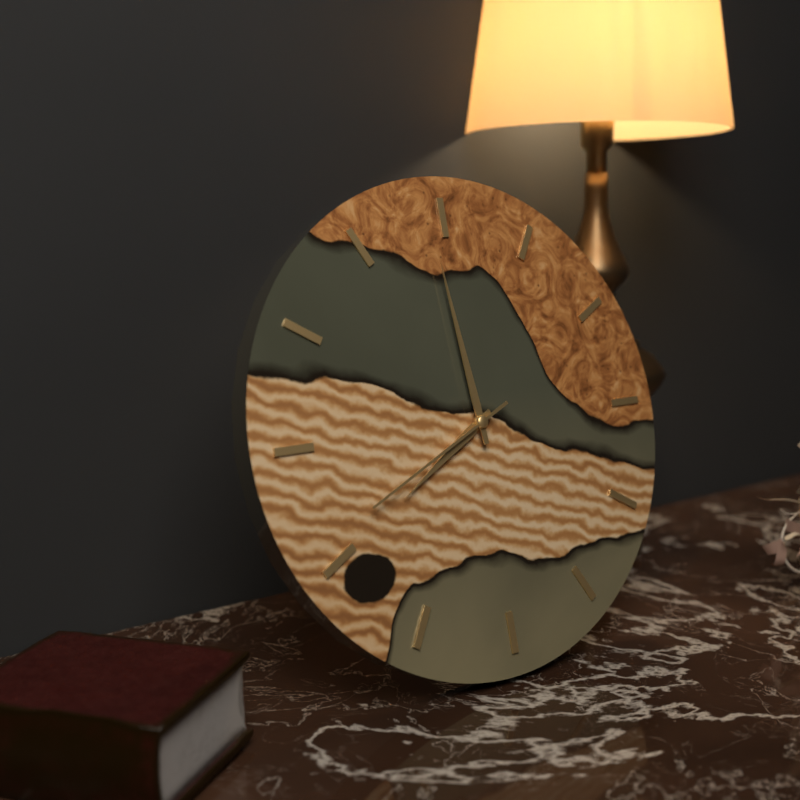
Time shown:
{"hour": 7, "minute": 59, "second": 41}
